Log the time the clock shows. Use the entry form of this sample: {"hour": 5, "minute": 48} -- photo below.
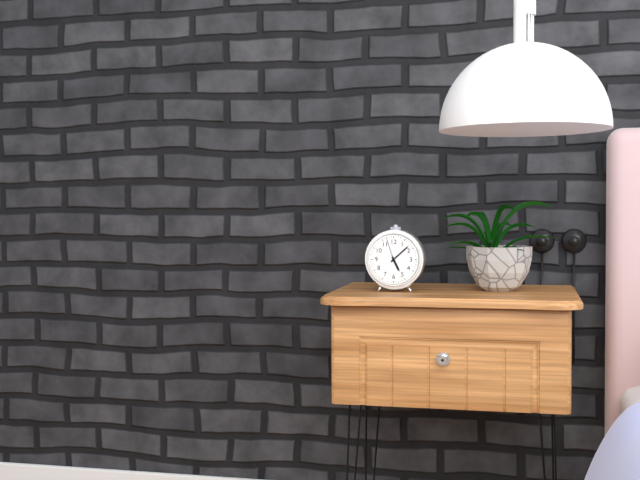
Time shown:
{"hour": 5, "minute": 8}
